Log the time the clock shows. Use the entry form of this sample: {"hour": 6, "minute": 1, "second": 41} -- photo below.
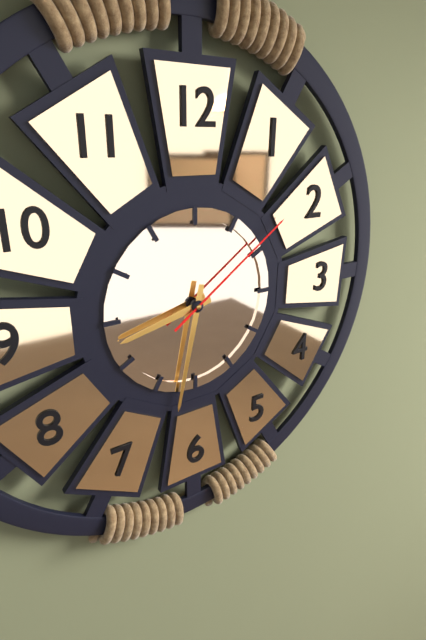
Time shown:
{"hour": 8, "minute": 32, "second": 9}
